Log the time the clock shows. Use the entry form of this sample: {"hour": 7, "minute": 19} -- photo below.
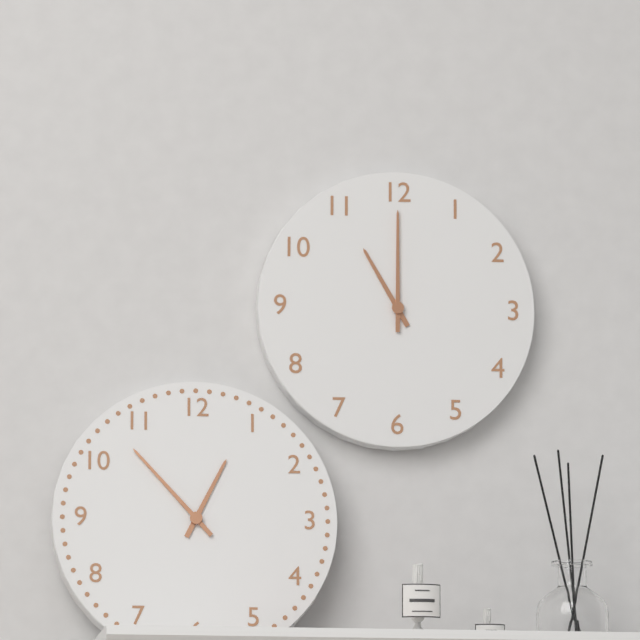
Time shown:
{"hour": 11, "minute": 0}
